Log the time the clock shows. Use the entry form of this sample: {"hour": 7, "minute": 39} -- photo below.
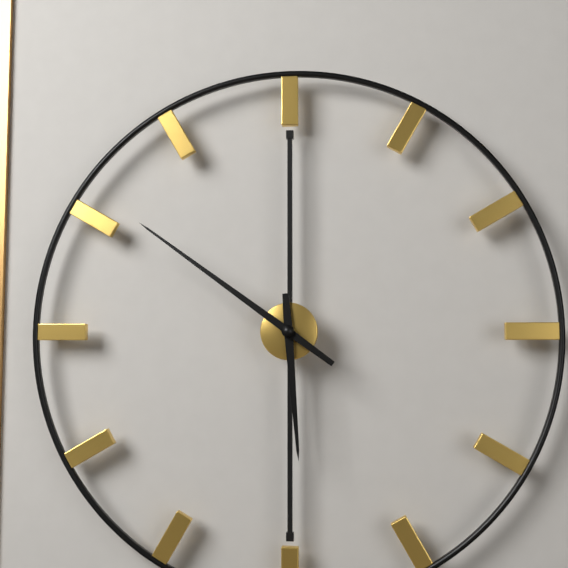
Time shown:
{"hour": 5, "minute": 51}
